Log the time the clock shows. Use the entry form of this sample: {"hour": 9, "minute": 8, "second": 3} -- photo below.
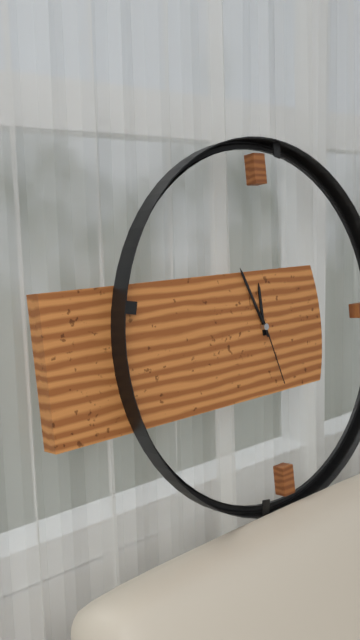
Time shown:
{"hour": 11, "minute": 56, "second": 27}
